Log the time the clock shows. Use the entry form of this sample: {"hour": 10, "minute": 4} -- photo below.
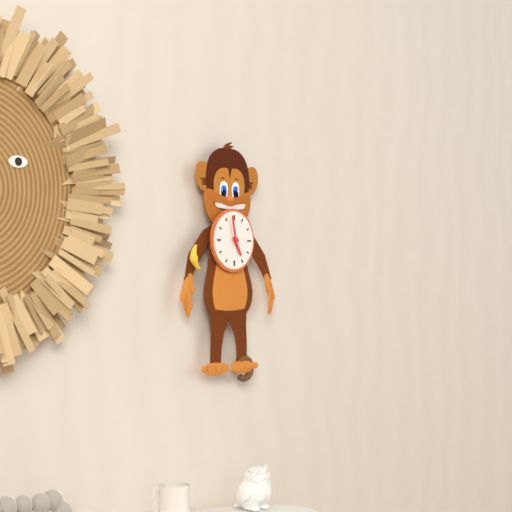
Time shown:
{"hour": 4, "minute": 58}
